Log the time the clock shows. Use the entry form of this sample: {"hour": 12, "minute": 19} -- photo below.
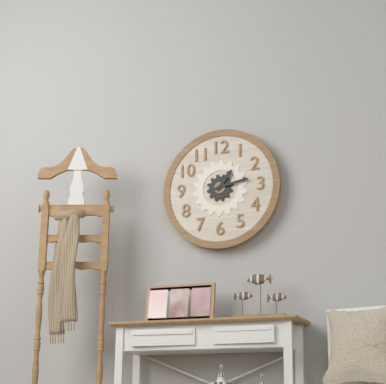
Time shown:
{"hour": 1, "minute": 13}
